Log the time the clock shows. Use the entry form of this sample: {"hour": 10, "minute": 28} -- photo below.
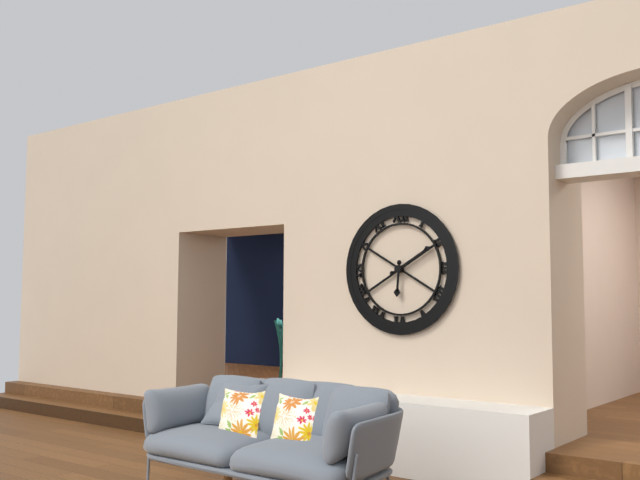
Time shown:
{"hour": 6, "minute": 10}
